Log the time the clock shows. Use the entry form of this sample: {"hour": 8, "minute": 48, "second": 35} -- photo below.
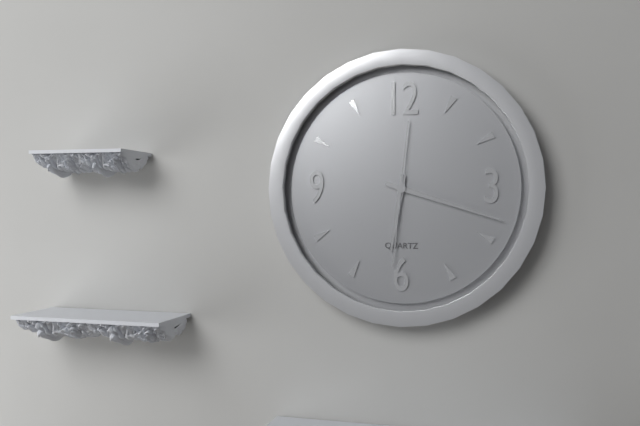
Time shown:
{"hour": 6, "minute": 18, "second": 31}
